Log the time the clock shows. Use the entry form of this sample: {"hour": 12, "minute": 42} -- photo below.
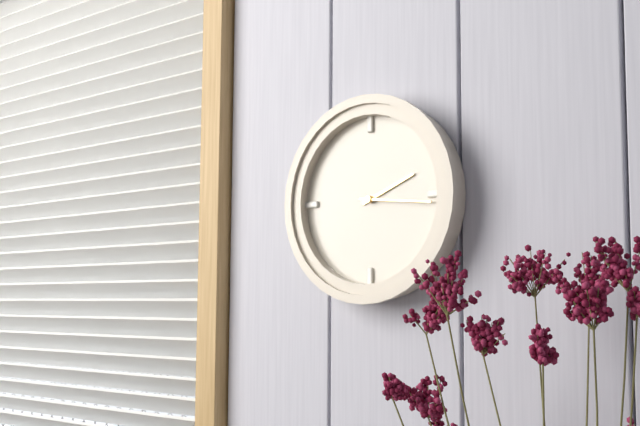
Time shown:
{"hour": 2, "minute": 16}
